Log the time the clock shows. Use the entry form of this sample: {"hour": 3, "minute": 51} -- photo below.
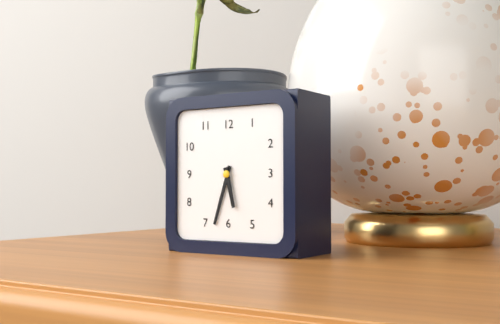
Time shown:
{"hour": 5, "minute": 33}
